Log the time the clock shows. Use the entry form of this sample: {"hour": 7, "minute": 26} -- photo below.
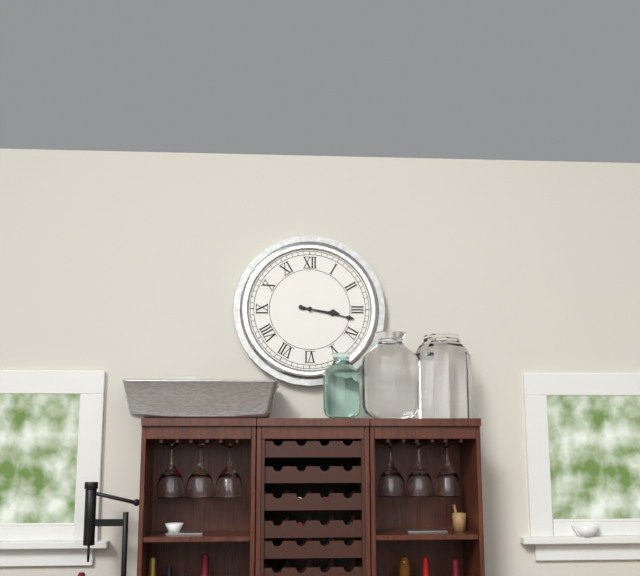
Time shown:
{"hour": 3, "minute": 17}
